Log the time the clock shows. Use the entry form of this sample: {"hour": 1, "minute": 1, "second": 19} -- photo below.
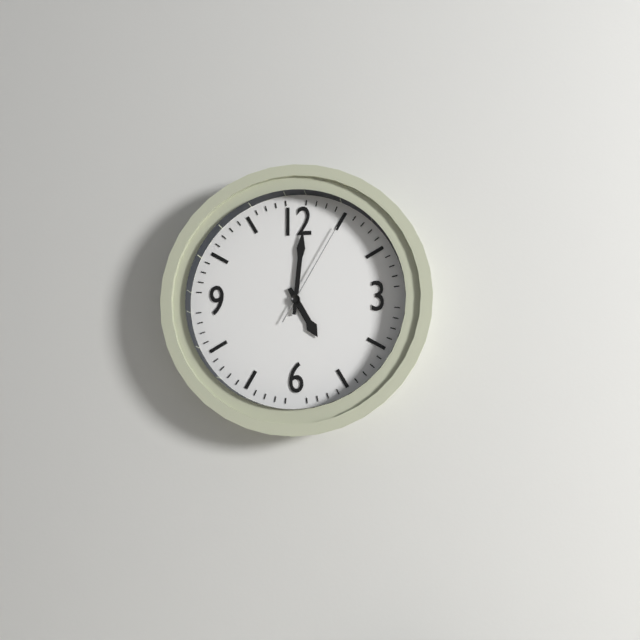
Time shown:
{"hour": 5, "minute": 1, "second": 5}
